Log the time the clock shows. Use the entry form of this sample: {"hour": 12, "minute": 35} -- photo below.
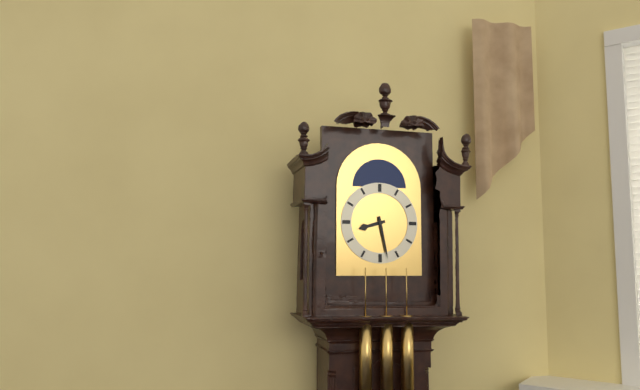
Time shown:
{"hour": 8, "minute": 28}
